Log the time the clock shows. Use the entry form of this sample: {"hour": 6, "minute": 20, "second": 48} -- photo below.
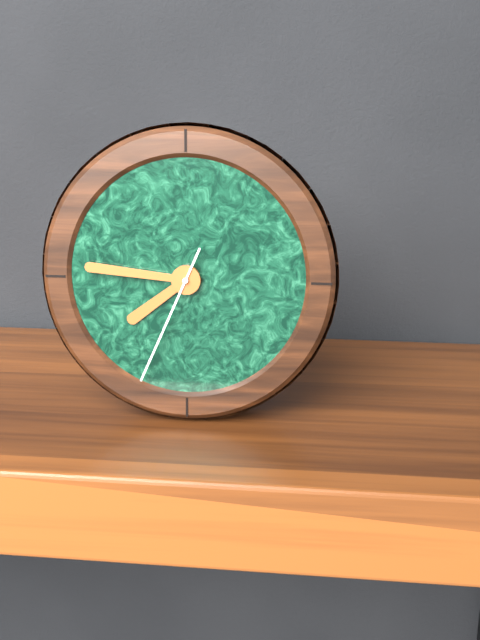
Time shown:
{"hour": 7, "minute": 46, "second": 34}
